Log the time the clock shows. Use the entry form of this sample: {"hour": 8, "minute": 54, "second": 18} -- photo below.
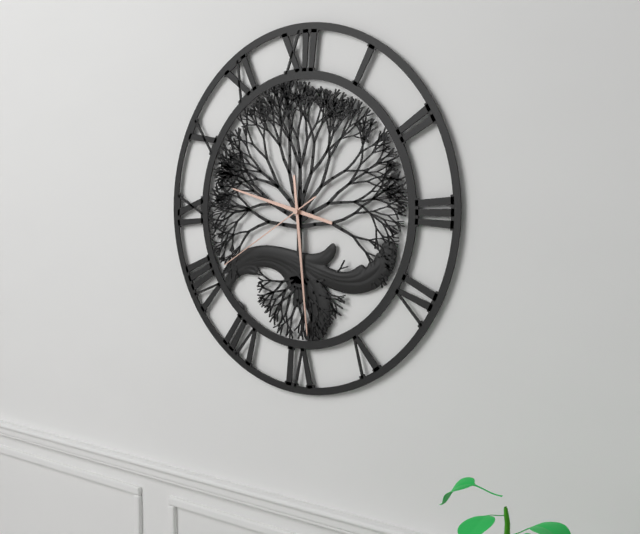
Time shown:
{"hour": 9, "minute": 29, "second": 40}
